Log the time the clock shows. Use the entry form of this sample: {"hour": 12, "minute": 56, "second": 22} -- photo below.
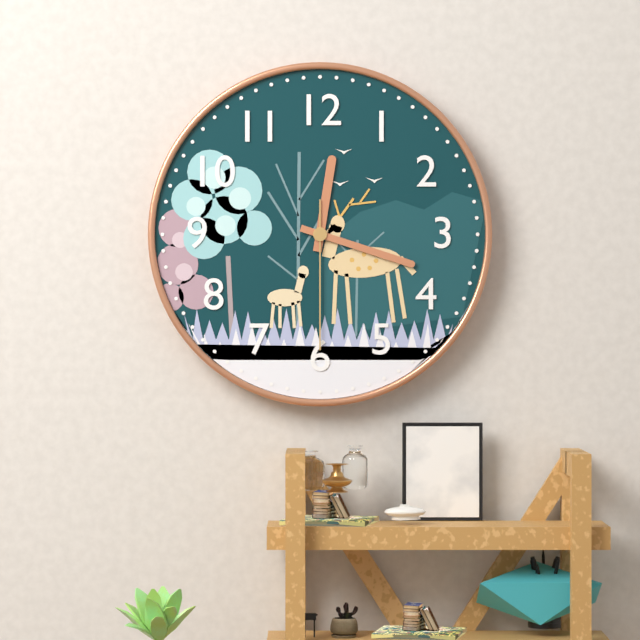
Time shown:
{"hour": 12, "minute": 18, "second": 30}
